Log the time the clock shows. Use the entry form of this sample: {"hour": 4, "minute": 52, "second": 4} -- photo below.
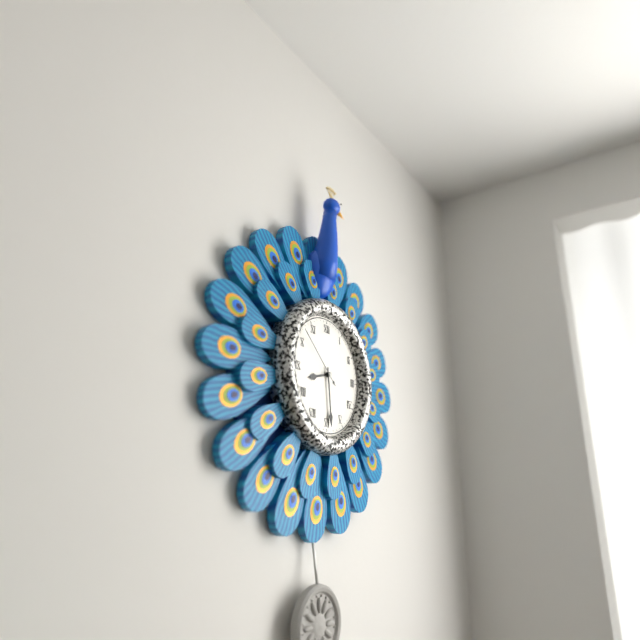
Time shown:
{"hour": 8, "minute": 29, "second": 52}
